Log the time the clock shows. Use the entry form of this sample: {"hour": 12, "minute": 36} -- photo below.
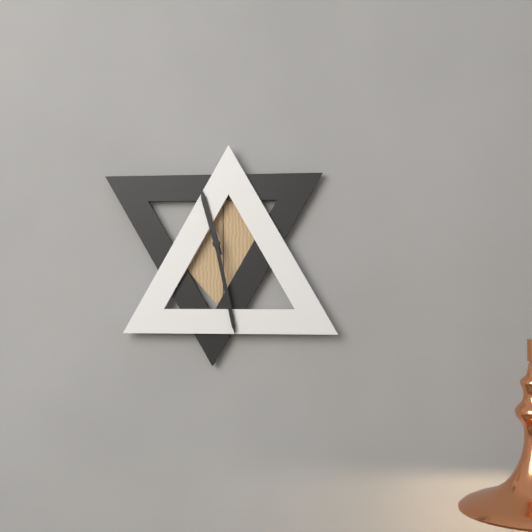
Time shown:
{"hour": 11, "minute": 28}
